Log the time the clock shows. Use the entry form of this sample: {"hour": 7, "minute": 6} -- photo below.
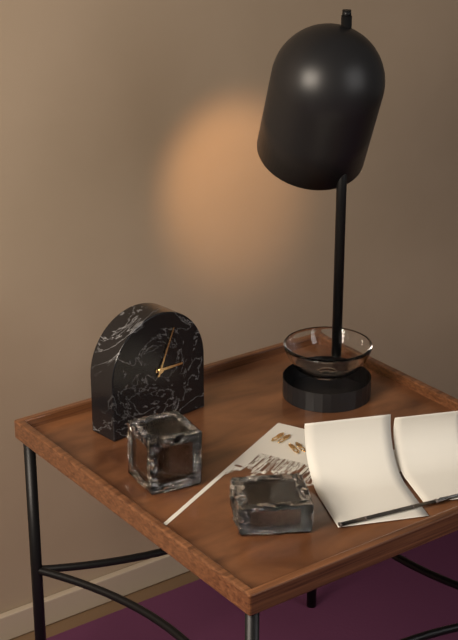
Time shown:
{"hour": 3, "minute": 4}
